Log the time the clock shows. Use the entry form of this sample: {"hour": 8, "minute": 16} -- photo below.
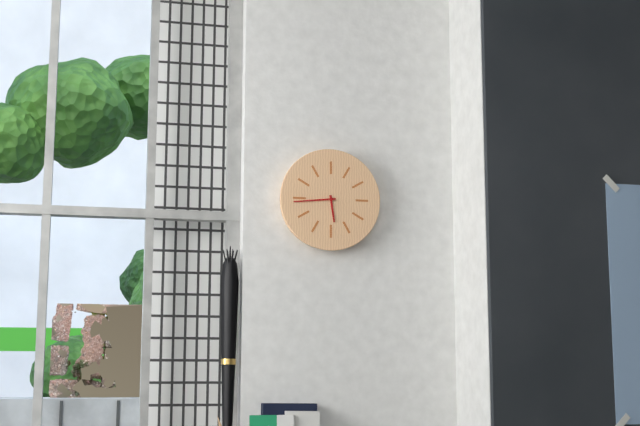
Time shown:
{"hour": 5, "minute": 44}
